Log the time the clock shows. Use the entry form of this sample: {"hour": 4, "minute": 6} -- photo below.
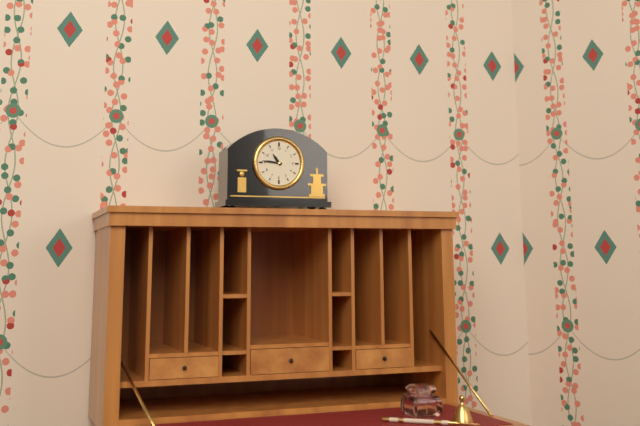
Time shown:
{"hour": 10, "minute": 46}
